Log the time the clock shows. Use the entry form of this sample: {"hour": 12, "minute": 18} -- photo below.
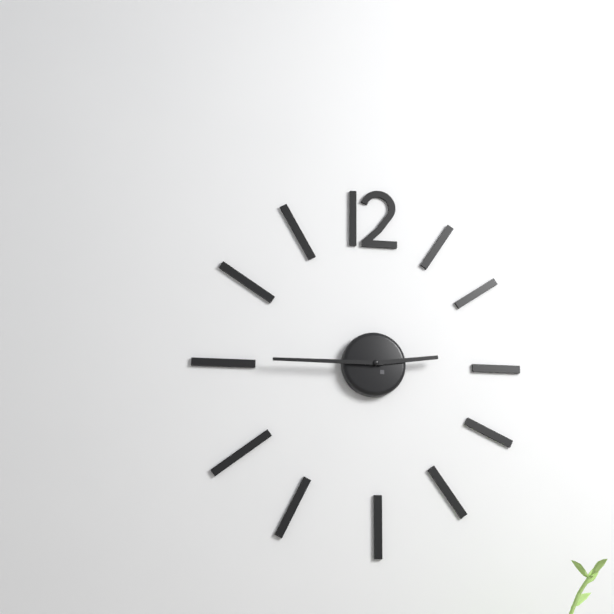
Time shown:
{"hour": 2, "minute": 45}
